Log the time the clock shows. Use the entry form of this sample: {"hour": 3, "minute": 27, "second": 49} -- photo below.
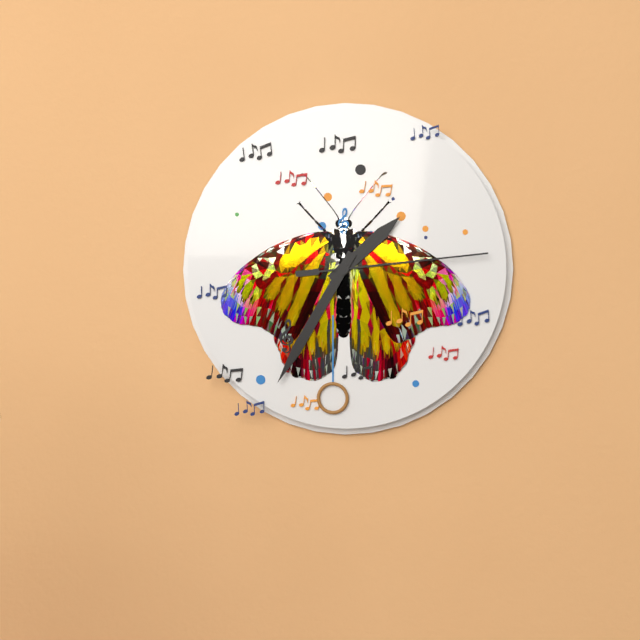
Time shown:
{"hour": 1, "minute": 35, "second": 14}
